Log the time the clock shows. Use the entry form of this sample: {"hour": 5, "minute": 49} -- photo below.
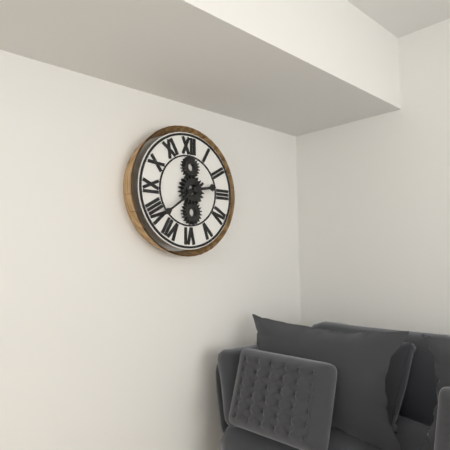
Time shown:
{"hour": 2, "minute": 39}
